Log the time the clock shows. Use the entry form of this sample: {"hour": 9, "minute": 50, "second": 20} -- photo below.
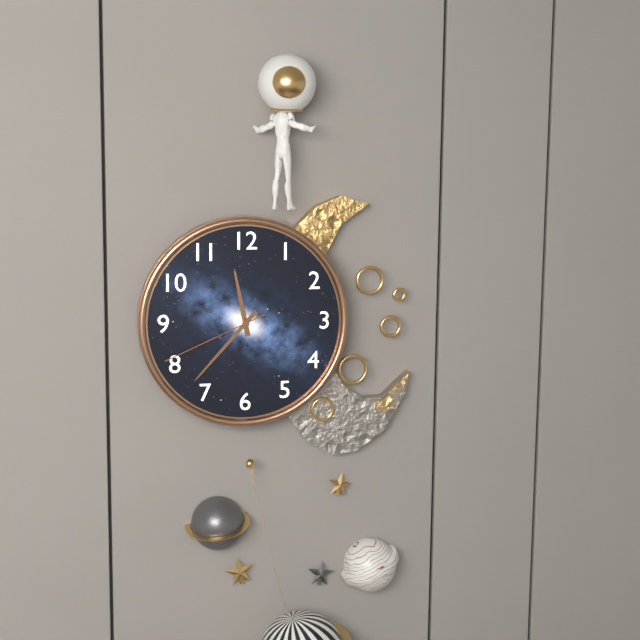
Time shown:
{"hour": 11, "minute": 37, "second": 41}
